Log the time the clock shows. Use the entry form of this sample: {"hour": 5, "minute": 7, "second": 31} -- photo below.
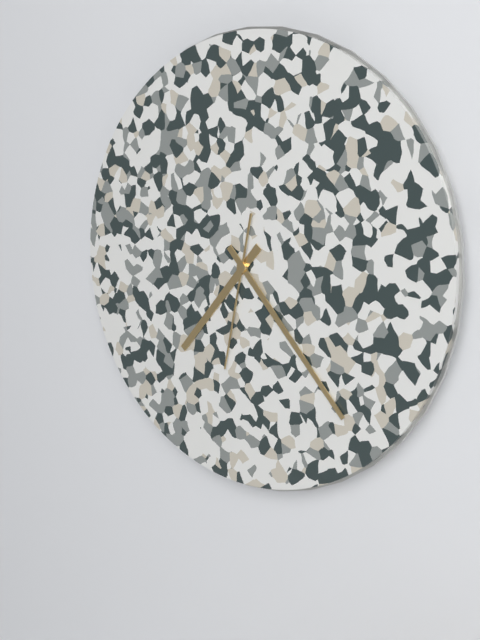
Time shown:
{"hour": 7, "minute": 23, "second": 32}
